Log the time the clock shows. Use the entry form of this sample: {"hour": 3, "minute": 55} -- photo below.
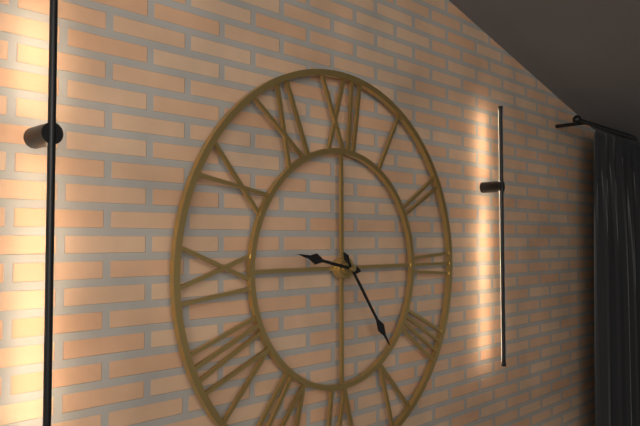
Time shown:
{"hour": 9, "minute": 24}
